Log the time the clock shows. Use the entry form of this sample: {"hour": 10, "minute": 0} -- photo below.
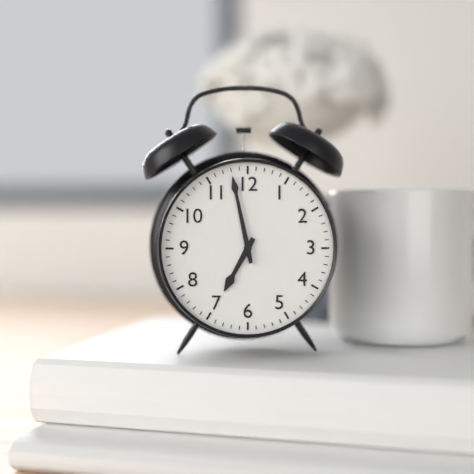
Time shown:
{"hour": 6, "minute": 58}
